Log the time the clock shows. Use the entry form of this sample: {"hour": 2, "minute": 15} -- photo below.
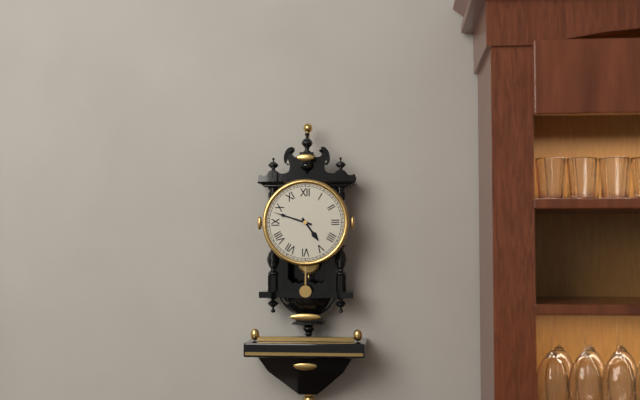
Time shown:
{"hour": 4, "minute": 48}
